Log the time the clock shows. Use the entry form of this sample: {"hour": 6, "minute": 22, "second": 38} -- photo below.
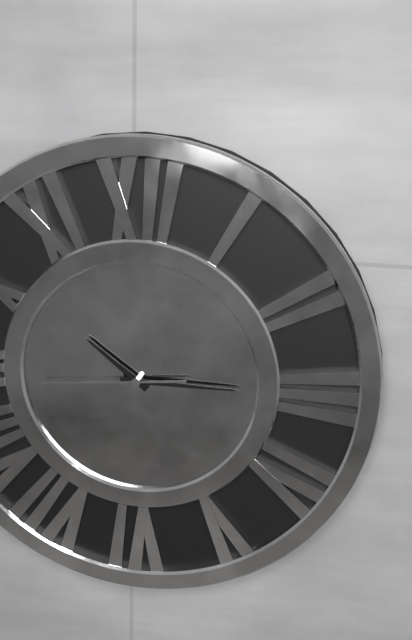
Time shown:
{"hour": 10, "minute": 15, "second": 44}
